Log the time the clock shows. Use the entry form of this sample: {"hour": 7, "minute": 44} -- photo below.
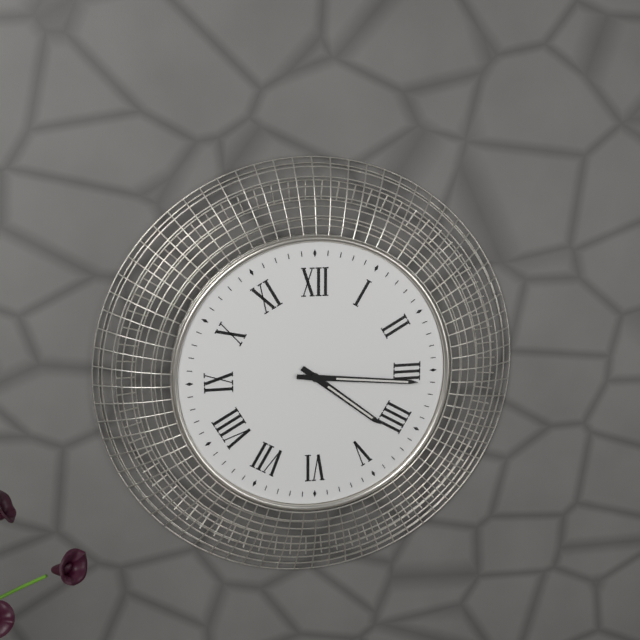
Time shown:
{"hour": 4, "minute": 16}
